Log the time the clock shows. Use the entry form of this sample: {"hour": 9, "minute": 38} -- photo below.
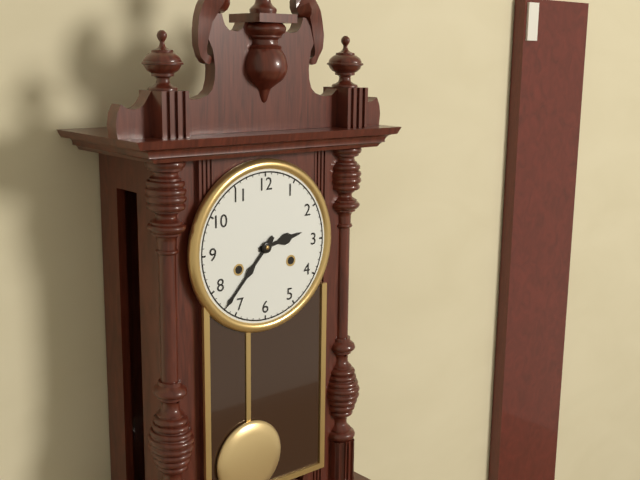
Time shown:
{"hour": 2, "minute": 37}
